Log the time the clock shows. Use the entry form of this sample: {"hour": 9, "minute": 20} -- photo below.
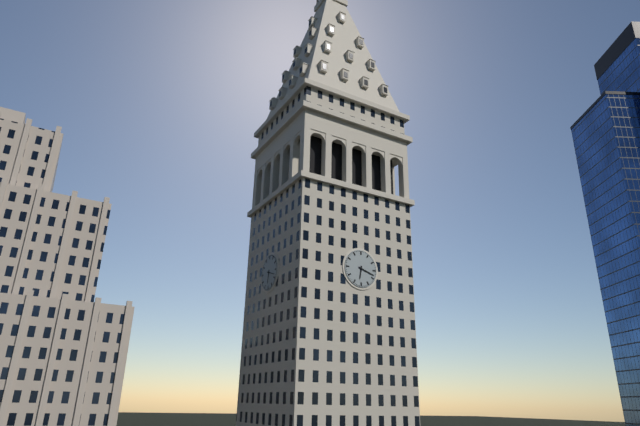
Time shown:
{"hour": 6, "minute": 18}
